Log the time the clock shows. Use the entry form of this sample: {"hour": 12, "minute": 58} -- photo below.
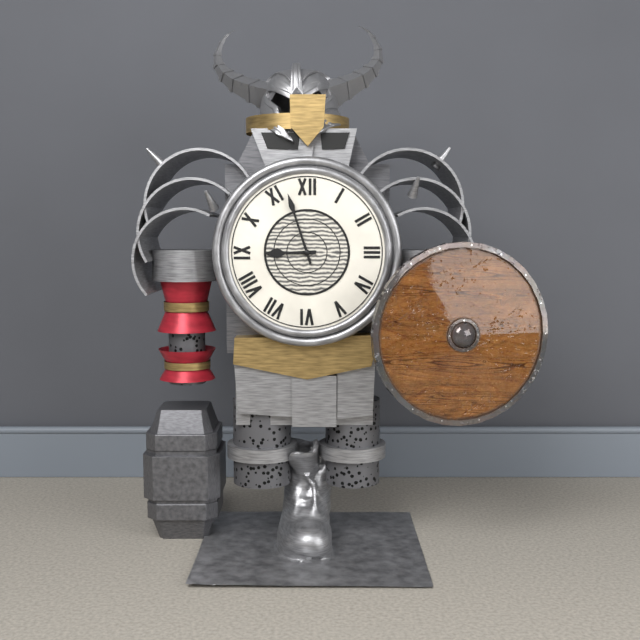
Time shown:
{"hour": 8, "minute": 57}
